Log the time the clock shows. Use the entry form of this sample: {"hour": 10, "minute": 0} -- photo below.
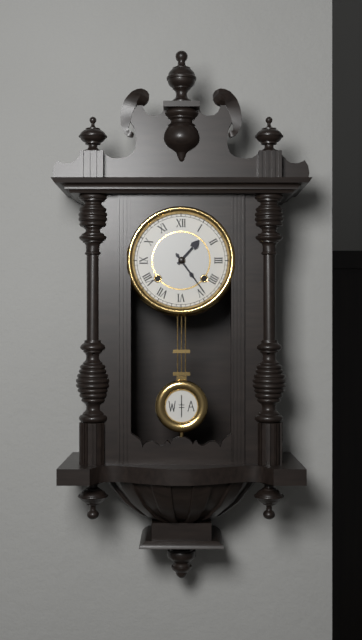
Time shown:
{"hour": 1, "minute": 24}
